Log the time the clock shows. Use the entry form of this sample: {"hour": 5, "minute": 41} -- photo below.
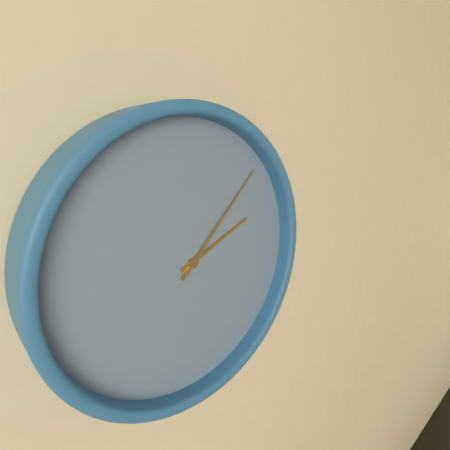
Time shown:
{"hour": 2, "minute": 7}
